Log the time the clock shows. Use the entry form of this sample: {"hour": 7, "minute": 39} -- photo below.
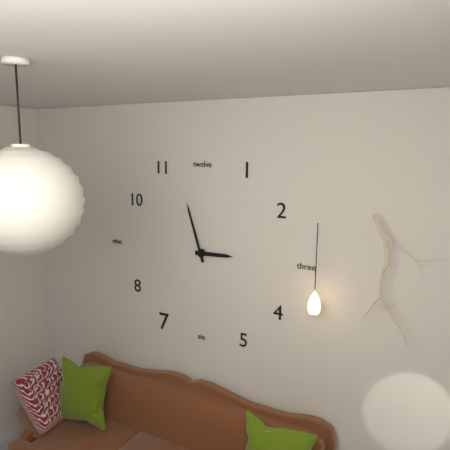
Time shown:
{"hour": 2, "minute": 57}
